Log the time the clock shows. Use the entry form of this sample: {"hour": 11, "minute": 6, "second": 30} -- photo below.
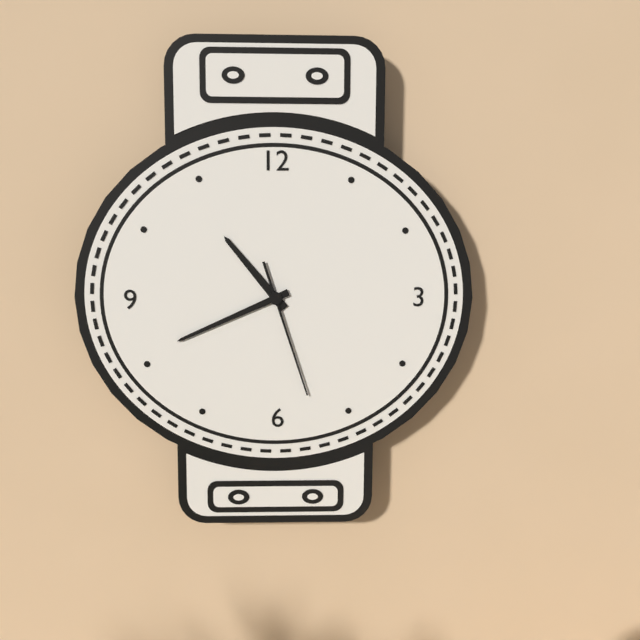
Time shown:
{"hour": 10, "minute": 41, "second": 27}
